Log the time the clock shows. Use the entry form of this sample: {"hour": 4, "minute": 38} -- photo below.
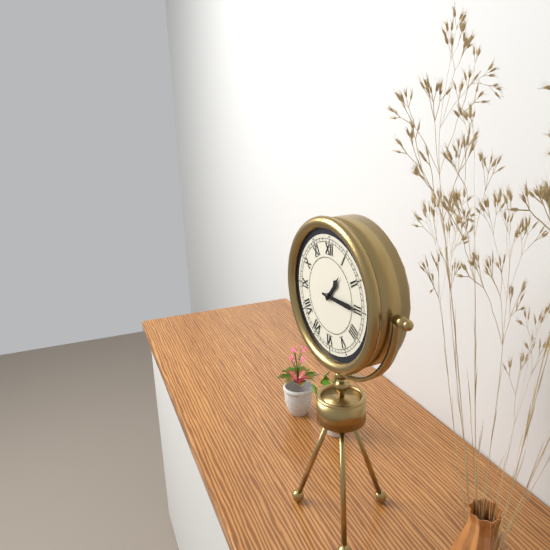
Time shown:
{"hour": 1, "minute": 15}
